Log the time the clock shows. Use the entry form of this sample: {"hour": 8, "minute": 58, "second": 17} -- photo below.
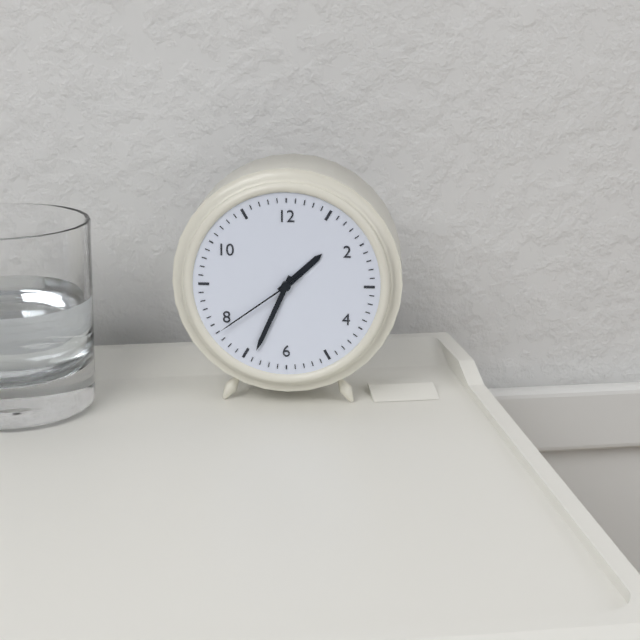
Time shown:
{"hour": 1, "minute": 34, "second": 39}
